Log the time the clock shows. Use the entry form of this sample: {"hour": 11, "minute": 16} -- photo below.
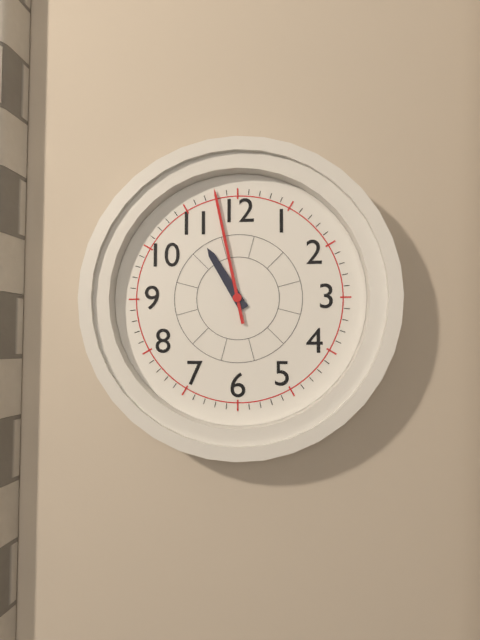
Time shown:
{"hour": 10, "minute": 58}
